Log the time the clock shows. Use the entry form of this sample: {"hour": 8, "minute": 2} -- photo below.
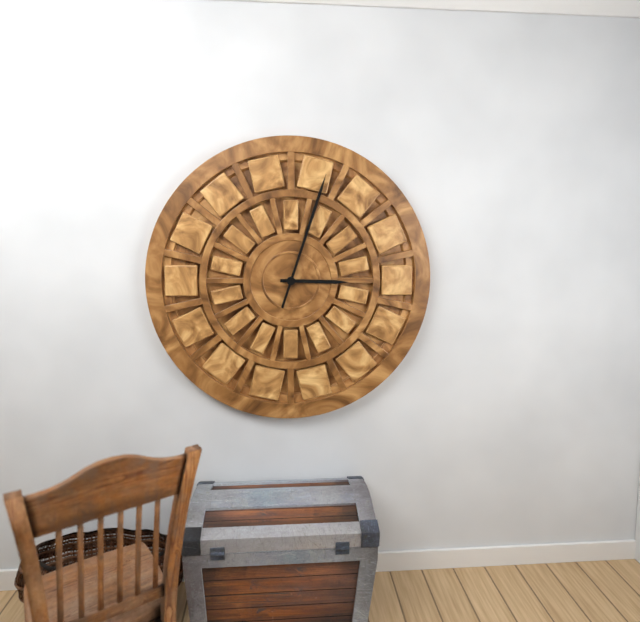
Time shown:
{"hour": 3, "minute": 3}
